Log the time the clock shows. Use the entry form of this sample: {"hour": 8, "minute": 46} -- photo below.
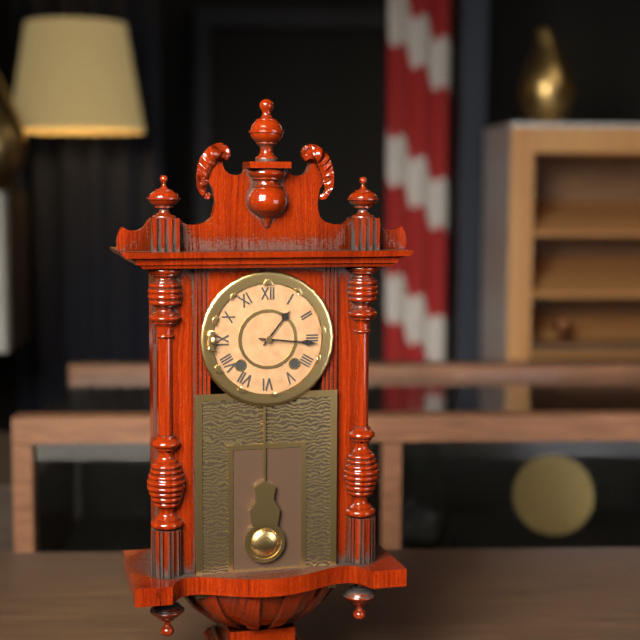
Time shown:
{"hour": 1, "minute": 16}
